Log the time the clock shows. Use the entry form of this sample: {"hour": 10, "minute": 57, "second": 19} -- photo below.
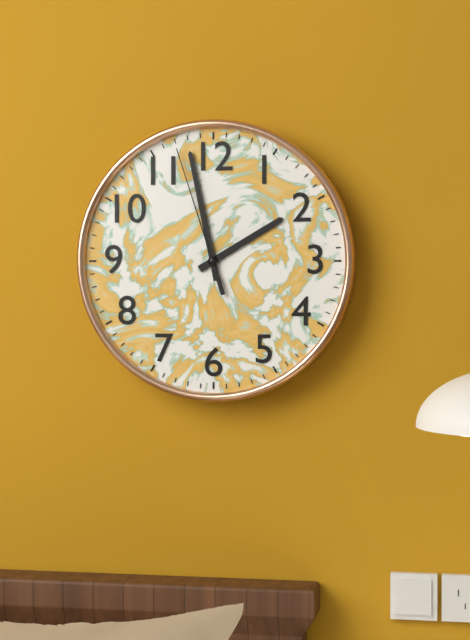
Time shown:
{"hour": 1, "minute": 58, "second": 57}
